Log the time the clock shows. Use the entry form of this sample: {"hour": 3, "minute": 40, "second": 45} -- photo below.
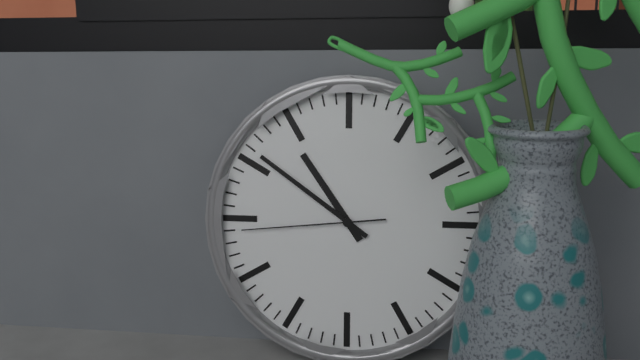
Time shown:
{"hour": 10, "minute": 51, "second": 44}
